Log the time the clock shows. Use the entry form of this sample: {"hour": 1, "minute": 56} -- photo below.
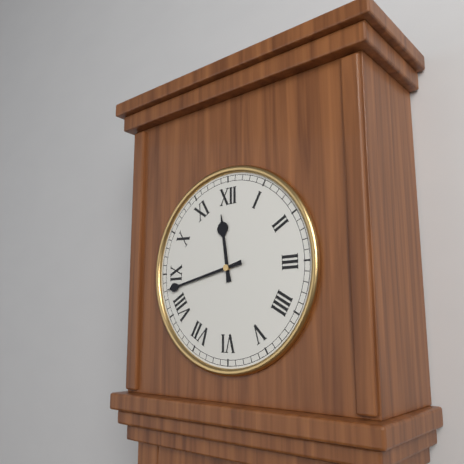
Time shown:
{"hour": 11, "minute": 43}
